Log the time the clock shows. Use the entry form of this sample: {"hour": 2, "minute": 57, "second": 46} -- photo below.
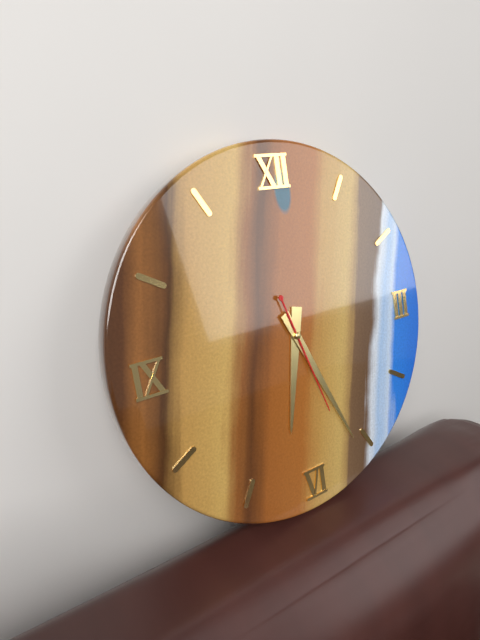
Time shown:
{"hour": 6, "minute": 26, "second": 27}
